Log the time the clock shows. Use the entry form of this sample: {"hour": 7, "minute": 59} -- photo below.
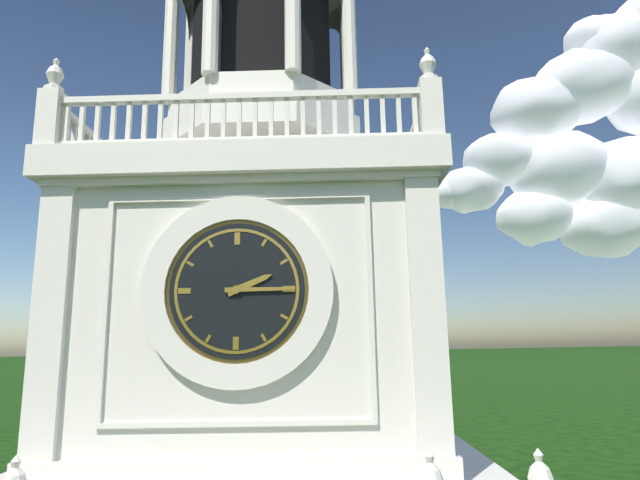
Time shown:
{"hour": 2, "minute": 15}
